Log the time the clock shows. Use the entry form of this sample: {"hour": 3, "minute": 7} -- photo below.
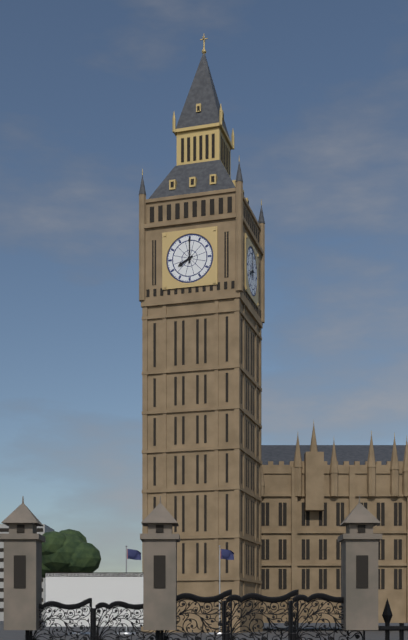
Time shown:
{"hour": 8, "minute": 0}
